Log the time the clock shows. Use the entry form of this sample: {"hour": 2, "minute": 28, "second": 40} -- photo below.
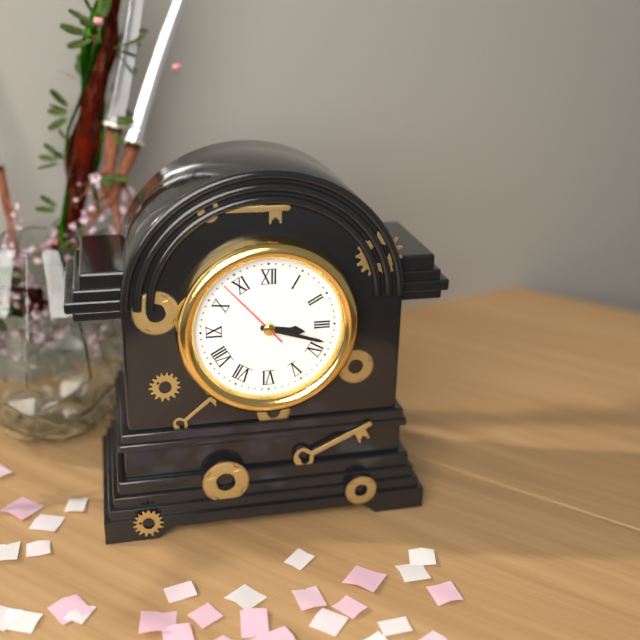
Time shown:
{"hour": 3, "minute": 18, "second": 53}
